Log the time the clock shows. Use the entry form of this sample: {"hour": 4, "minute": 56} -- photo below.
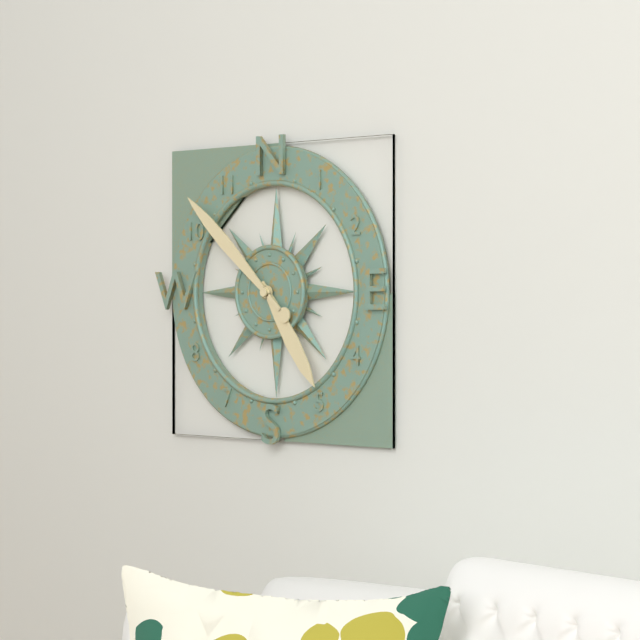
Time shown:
{"hour": 4, "minute": 52}
